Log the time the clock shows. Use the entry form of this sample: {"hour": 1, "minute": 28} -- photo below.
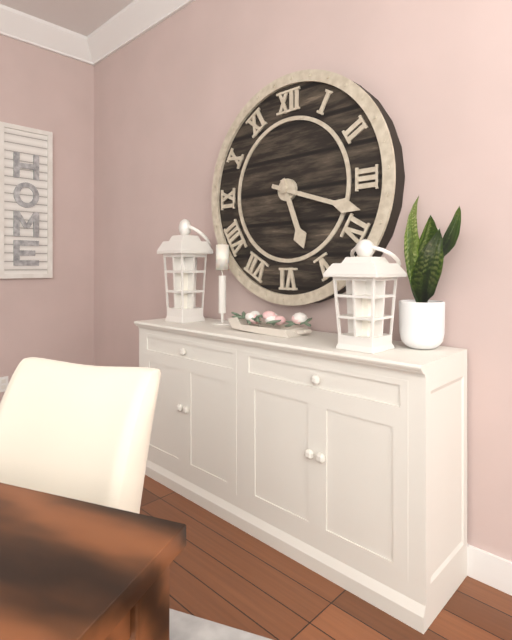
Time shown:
{"hour": 5, "minute": 18}
